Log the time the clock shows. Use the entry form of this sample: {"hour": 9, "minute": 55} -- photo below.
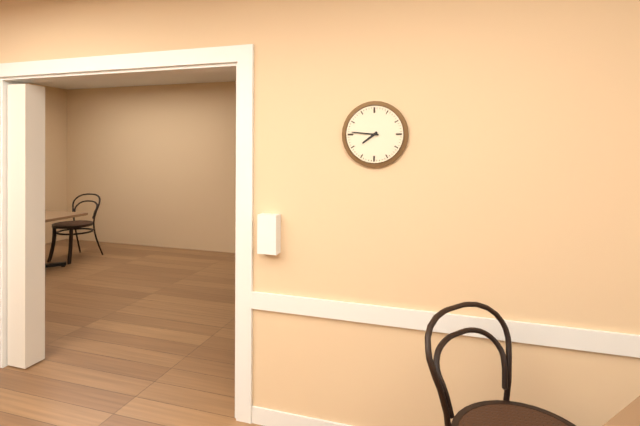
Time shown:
{"hour": 7, "minute": 46}
